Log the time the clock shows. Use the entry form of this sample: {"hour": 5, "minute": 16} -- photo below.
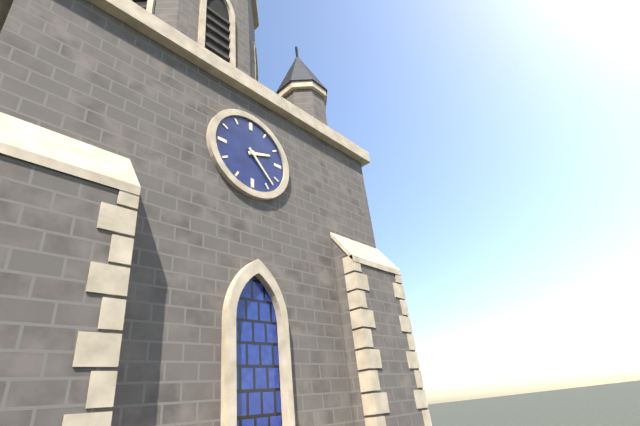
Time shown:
{"hour": 2, "minute": 23}
